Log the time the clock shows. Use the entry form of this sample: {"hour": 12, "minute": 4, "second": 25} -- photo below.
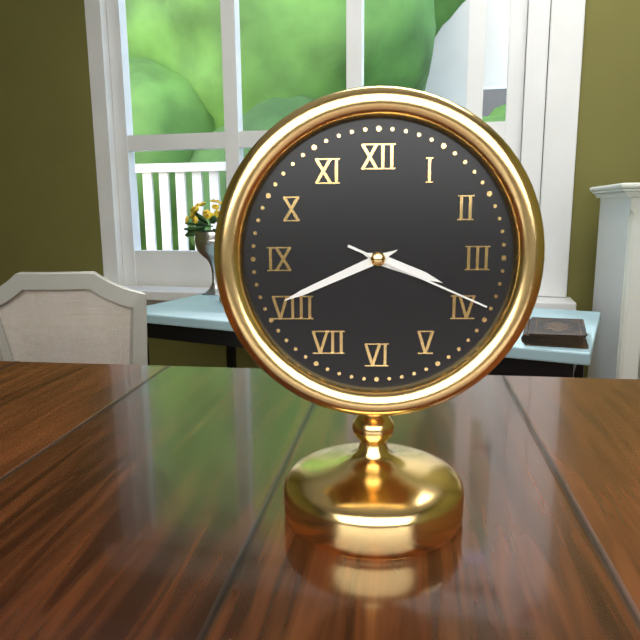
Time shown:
{"hour": 3, "minute": 41, "second": 19}
